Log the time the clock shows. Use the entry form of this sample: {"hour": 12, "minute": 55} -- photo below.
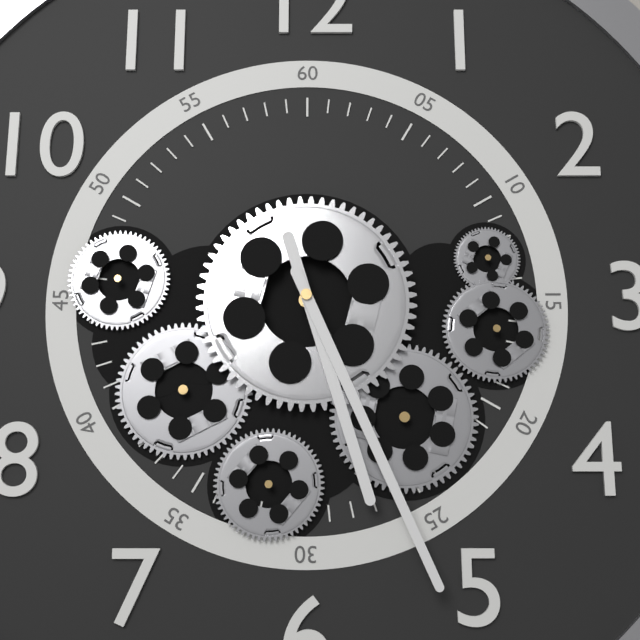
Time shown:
{"hour": 5, "minute": 26}
